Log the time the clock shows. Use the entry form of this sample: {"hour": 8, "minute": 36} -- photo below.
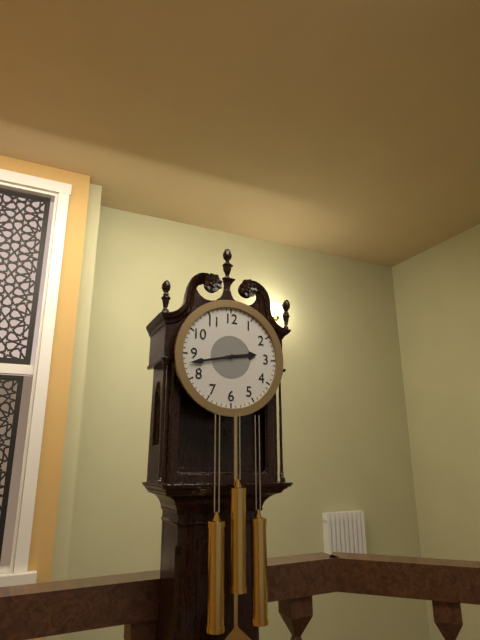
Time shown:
{"hour": 2, "minute": 43}
